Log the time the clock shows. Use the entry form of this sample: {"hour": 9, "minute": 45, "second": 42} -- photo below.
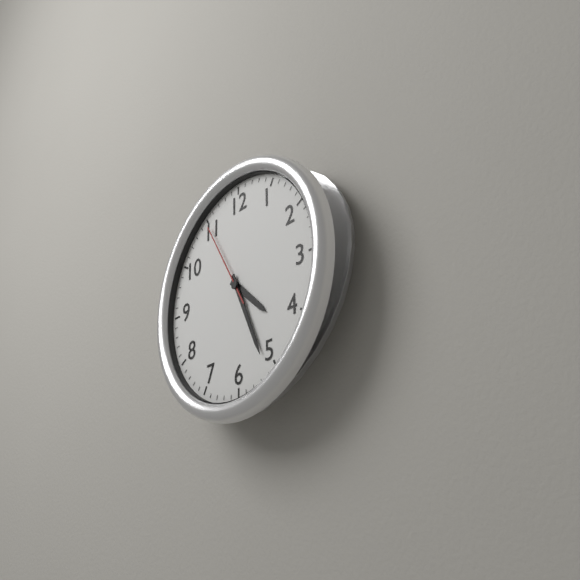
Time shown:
{"hour": 4, "minute": 26, "second": 55}
